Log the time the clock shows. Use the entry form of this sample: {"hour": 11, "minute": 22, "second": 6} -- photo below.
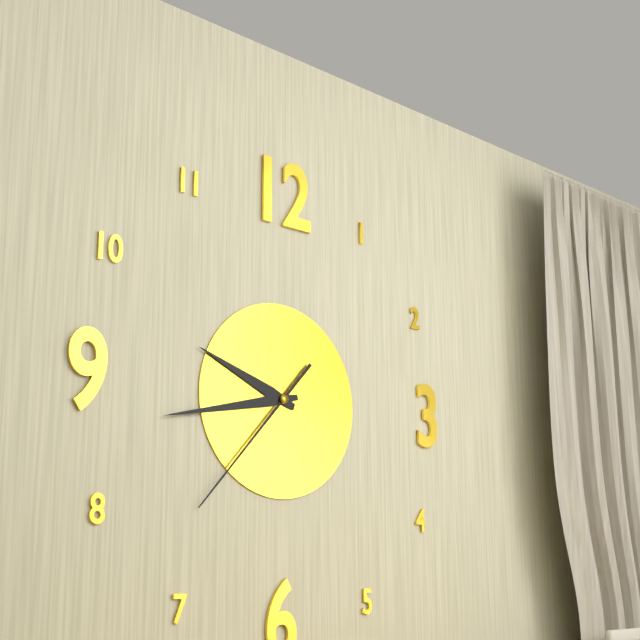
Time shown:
{"hour": 9, "minute": 43, "second": 37}
